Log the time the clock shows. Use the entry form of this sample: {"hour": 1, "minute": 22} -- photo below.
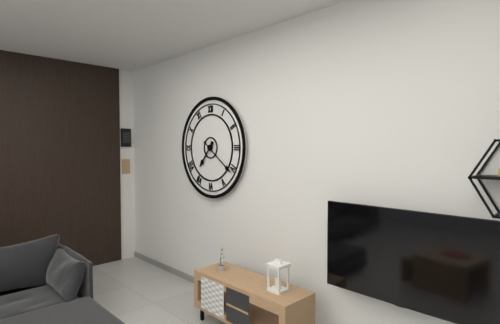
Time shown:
{"hour": 7, "minute": 21}
